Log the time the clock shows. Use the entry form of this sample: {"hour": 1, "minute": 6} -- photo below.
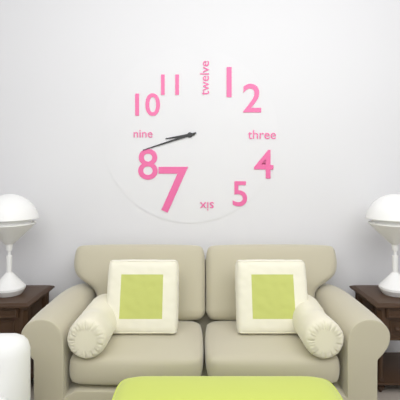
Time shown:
{"hour": 8, "minute": 42}
